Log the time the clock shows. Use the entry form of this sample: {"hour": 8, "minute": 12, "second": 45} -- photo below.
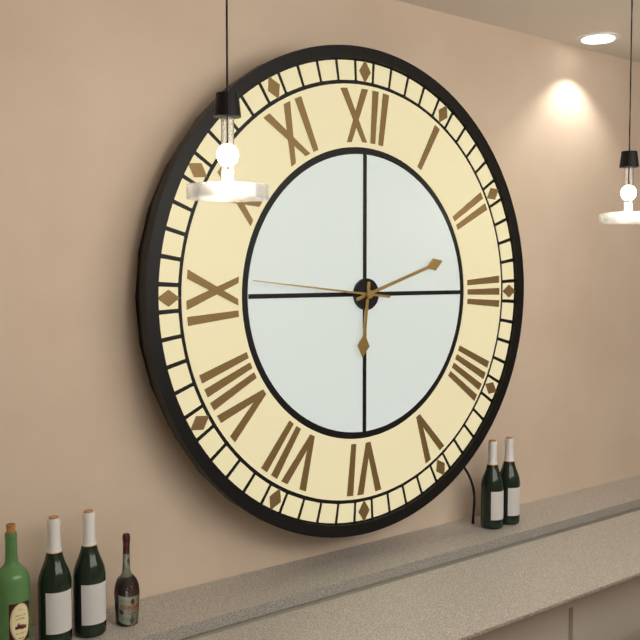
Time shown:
{"hour": 6, "minute": 12, "second": 46}
